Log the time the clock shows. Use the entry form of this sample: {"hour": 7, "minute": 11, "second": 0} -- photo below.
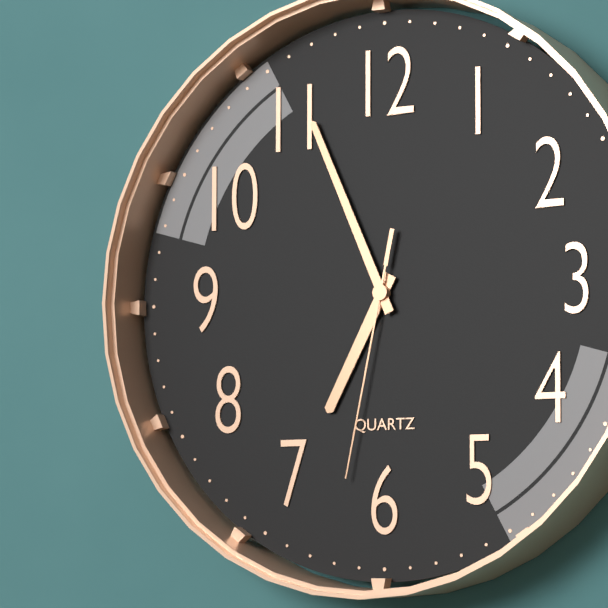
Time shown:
{"hour": 6, "minute": 56, "second": 32}
